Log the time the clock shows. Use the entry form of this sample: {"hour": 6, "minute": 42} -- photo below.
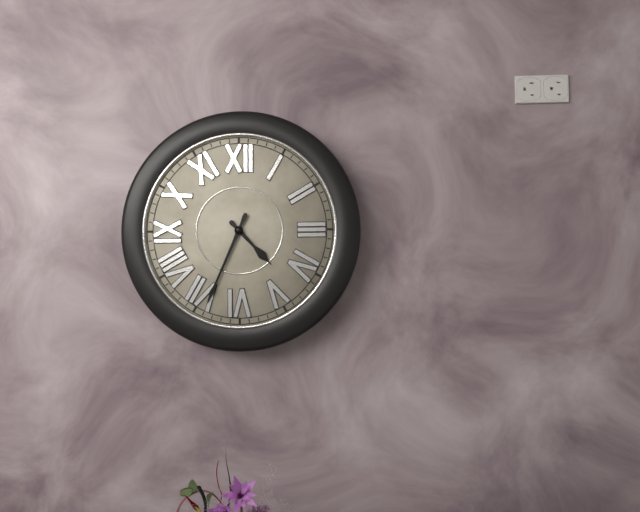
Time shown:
{"hour": 4, "minute": 34}
